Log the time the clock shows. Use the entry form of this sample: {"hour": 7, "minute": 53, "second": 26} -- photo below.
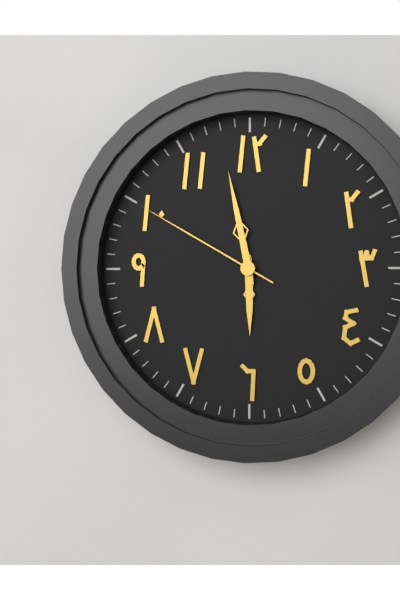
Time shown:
{"hour": 5, "minute": 58, "second": 50}
